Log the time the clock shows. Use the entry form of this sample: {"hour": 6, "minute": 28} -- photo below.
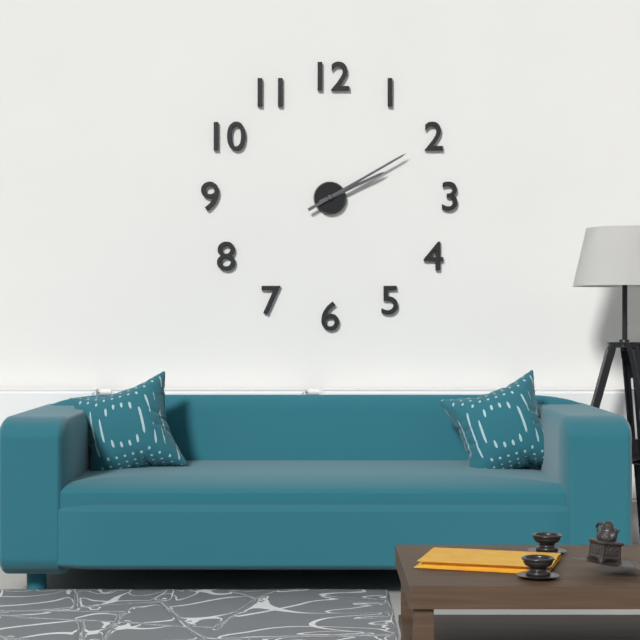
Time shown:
{"hour": 2, "minute": 10}
